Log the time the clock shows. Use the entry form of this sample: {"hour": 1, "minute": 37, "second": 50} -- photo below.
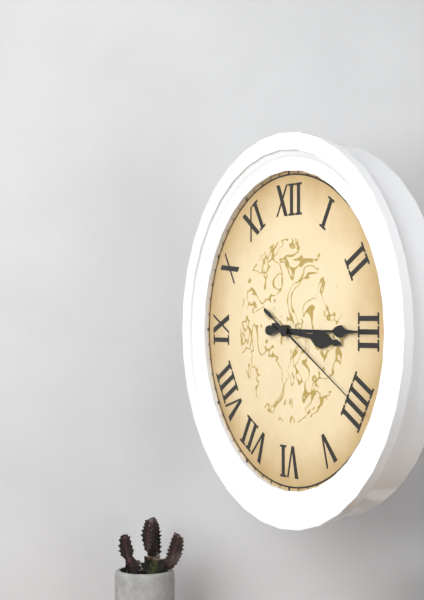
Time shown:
{"hour": 3, "minute": 15, "second": 20}
